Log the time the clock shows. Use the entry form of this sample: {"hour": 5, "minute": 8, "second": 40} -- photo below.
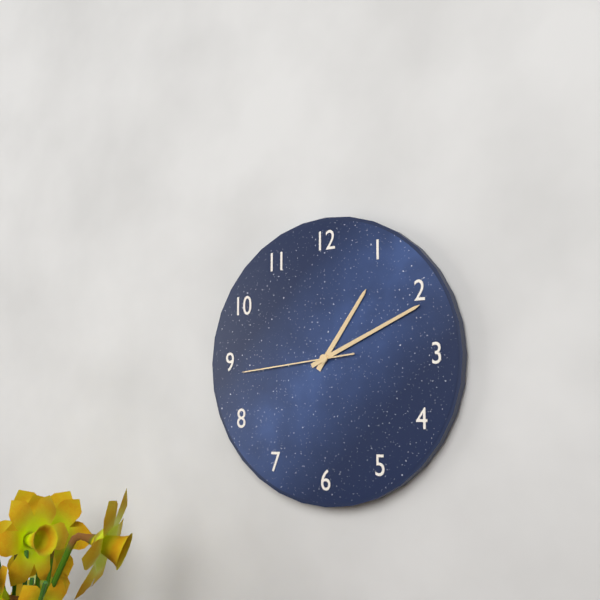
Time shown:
{"hour": 1, "minute": 11, "second": 44}
